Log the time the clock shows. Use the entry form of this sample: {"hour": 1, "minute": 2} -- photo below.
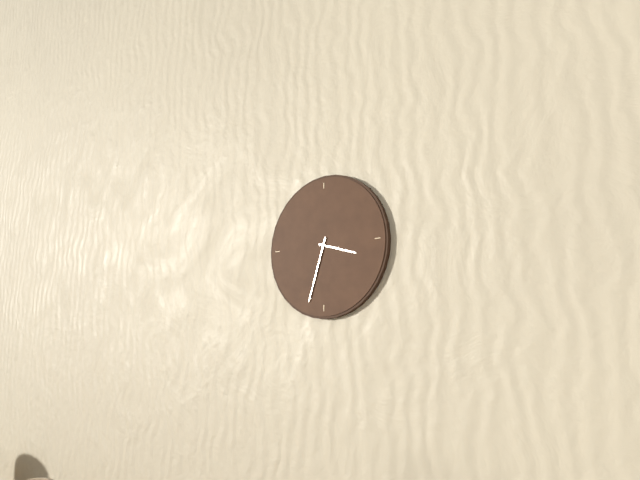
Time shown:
{"hour": 3, "minute": 33}
